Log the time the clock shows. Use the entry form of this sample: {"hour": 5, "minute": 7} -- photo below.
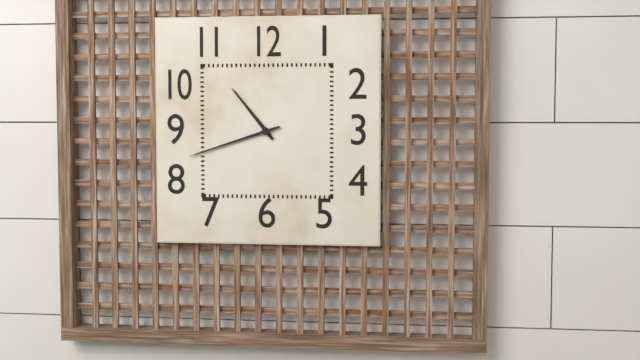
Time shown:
{"hour": 10, "minute": 42}
